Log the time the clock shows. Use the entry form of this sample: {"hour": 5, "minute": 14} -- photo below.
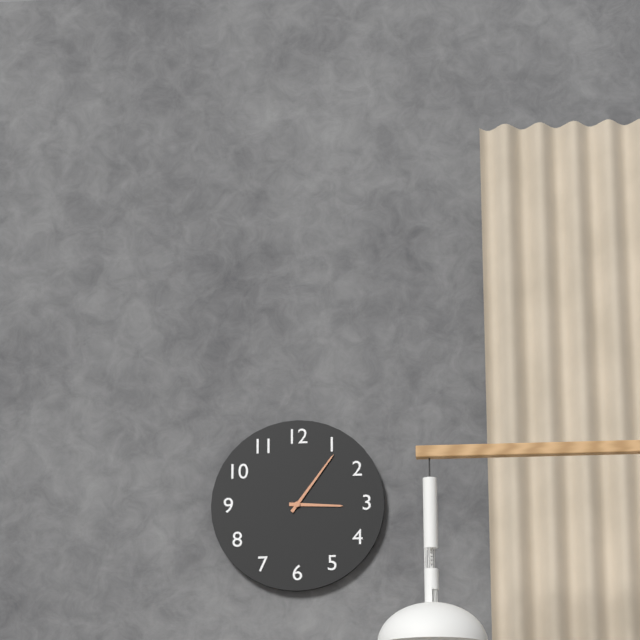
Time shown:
{"hour": 3, "minute": 6}
